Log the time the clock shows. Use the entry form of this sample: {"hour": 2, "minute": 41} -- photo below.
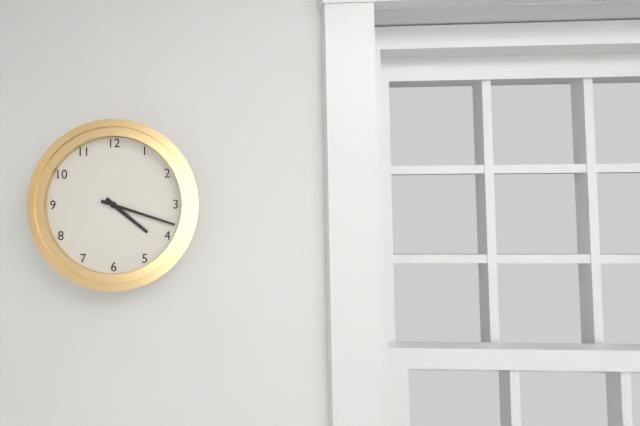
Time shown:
{"hour": 4, "minute": 18}
